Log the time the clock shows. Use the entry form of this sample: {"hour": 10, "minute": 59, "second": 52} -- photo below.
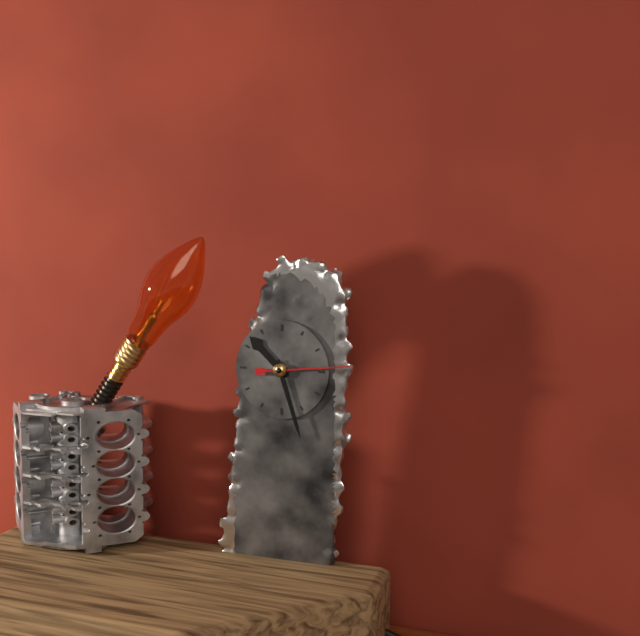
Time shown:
{"hour": 10, "minute": 27, "second": 14}
